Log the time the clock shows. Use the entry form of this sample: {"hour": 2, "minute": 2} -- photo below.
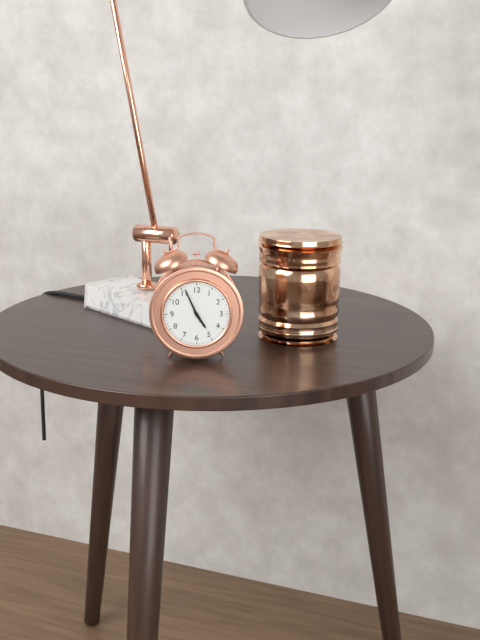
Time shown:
{"hour": 4, "minute": 56}
